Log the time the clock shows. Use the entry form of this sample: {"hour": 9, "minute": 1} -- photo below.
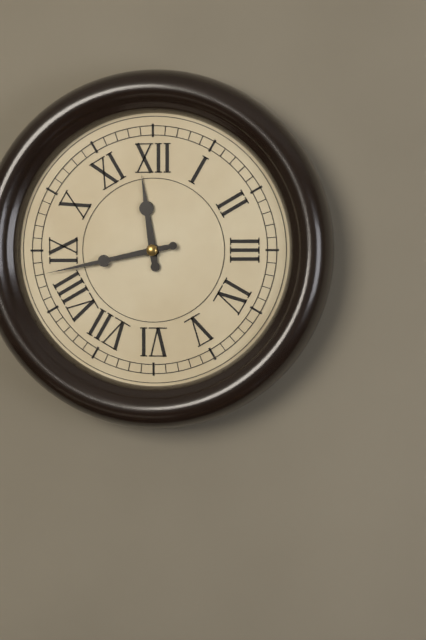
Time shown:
{"hour": 11, "minute": 43}
